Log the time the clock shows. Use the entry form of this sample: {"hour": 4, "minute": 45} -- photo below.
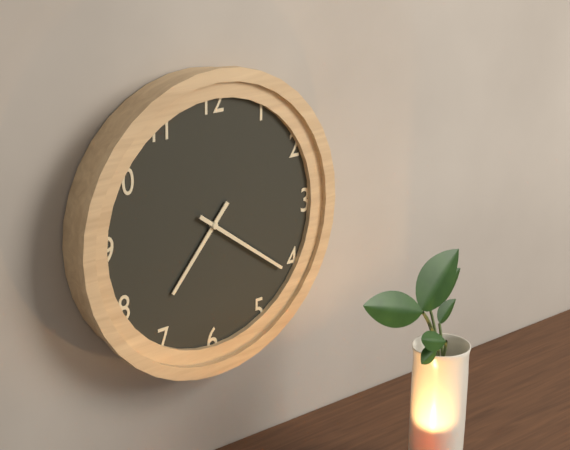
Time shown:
{"hour": 7, "minute": 21}
